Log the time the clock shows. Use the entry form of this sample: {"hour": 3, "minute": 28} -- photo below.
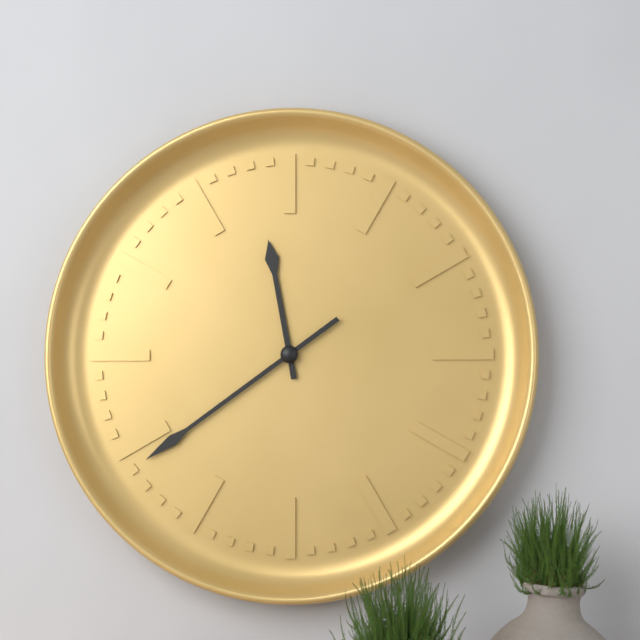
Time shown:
{"hour": 11, "minute": 39}
